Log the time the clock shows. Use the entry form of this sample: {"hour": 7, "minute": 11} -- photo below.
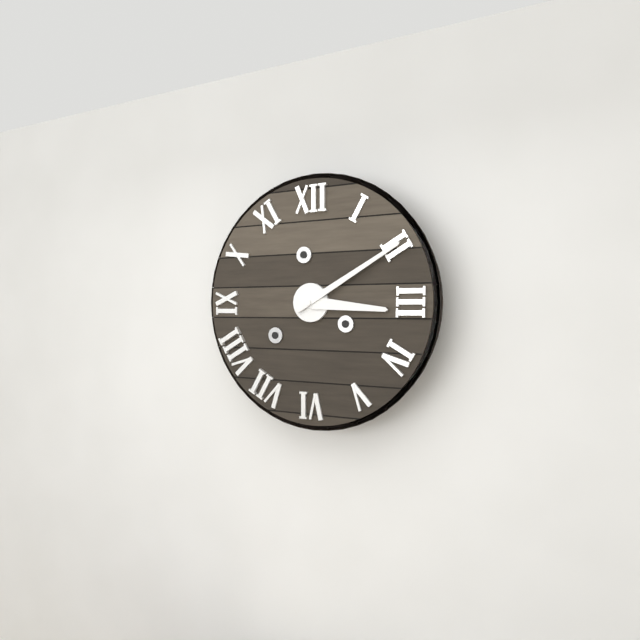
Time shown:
{"hour": 3, "minute": 10}
